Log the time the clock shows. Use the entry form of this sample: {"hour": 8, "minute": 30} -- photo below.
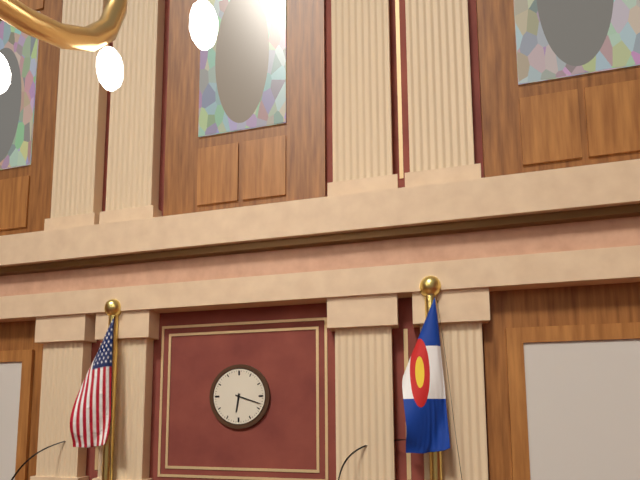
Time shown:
{"hour": 6, "minute": 18}
